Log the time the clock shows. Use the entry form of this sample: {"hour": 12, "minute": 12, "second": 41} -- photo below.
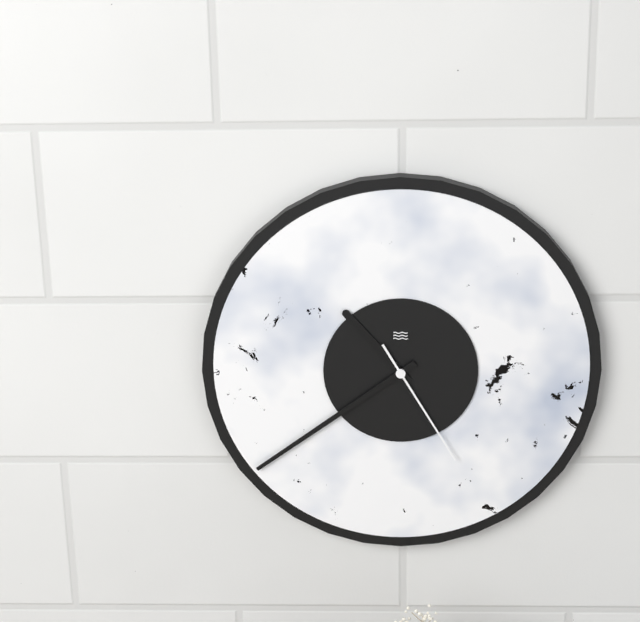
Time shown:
{"hour": 10, "minute": 39, "second": 25}
